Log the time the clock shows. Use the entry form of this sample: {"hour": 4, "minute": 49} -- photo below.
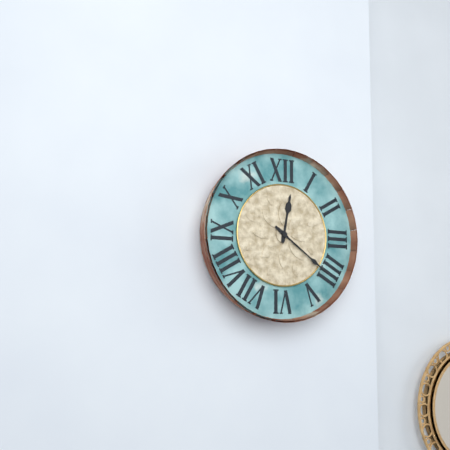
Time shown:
{"hour": 12, "minute": 21}
